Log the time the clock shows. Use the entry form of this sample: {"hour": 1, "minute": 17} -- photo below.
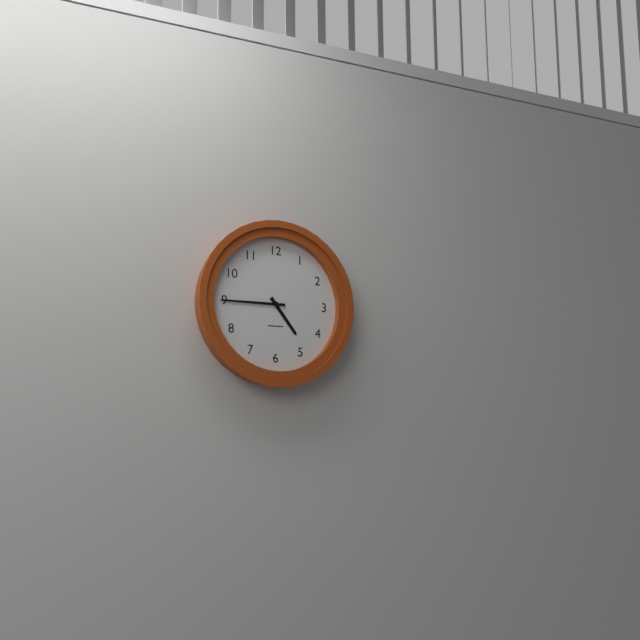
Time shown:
{"hour": 4, "minute": 45}
